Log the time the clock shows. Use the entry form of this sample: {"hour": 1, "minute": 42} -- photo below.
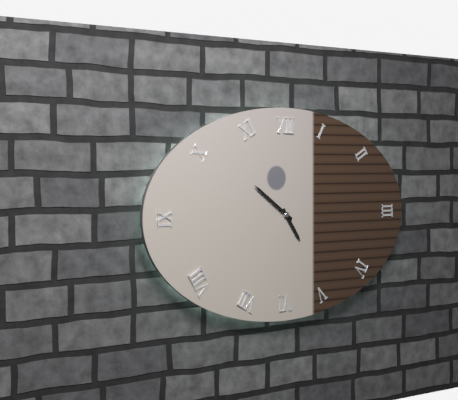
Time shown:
{"hour": 4, "minute": 51}
